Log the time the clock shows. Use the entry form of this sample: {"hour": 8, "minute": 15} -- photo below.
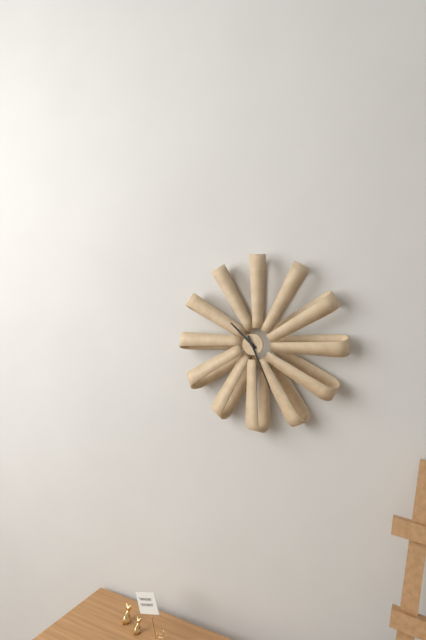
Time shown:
{"hour": 10, "minute": 26}
